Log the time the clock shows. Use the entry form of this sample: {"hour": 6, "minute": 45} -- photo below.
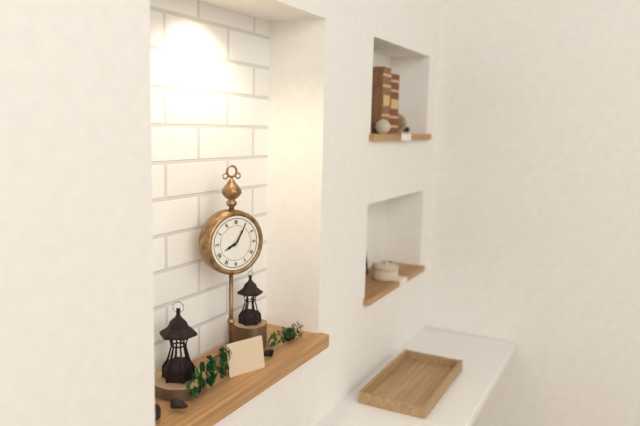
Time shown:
{"hour": 8, "minute": 5}
